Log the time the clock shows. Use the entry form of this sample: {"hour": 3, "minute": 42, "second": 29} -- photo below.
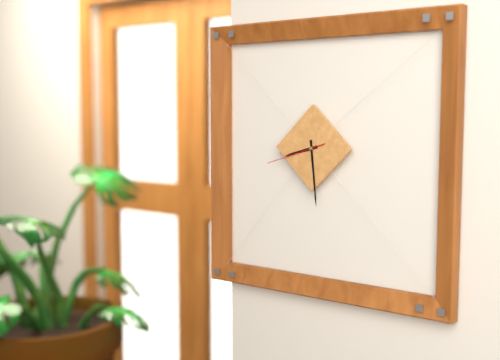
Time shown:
{"hour": 8, "minute": 29, "second": 42}
